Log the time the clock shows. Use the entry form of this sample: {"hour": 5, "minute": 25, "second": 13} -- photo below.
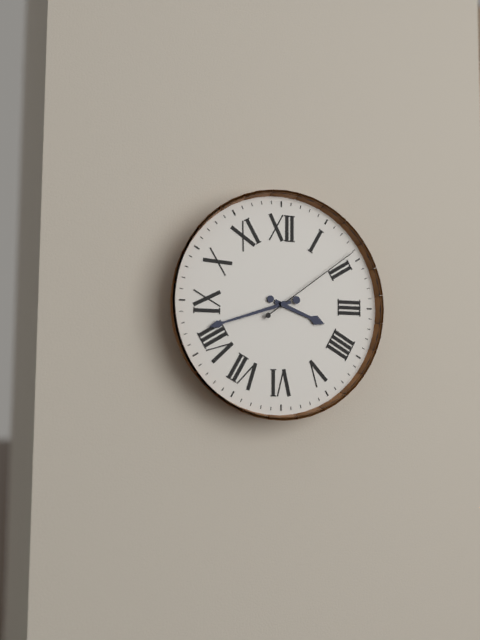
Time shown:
{"hour": 3, "minute": 42, "second": 9}
